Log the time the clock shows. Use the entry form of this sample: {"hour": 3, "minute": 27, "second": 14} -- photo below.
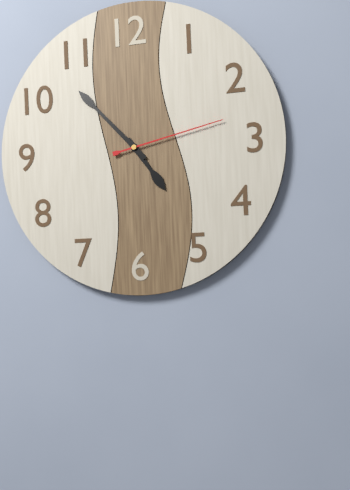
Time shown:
{"hour": 4, "minute": 53, "second": 13}
